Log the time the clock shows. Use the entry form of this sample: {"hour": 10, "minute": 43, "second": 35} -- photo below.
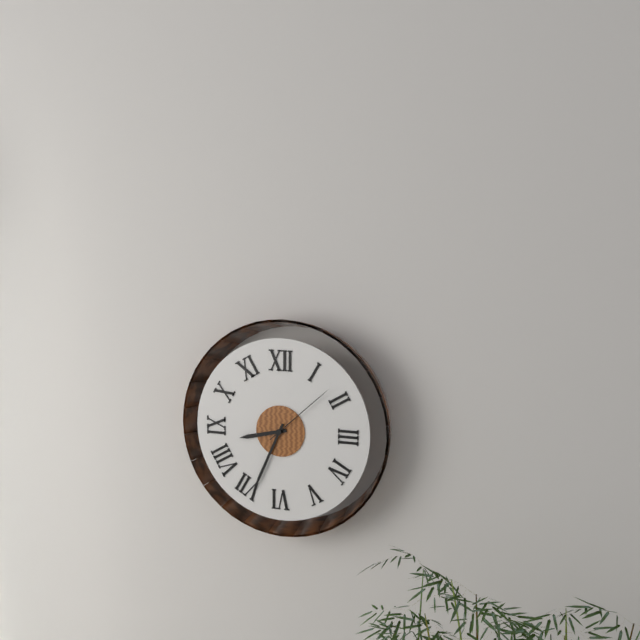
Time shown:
{"hour": 8, "minute": 34, "second": 8}
